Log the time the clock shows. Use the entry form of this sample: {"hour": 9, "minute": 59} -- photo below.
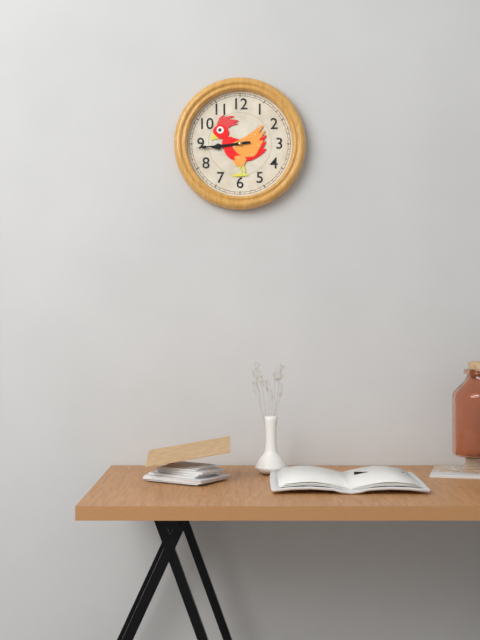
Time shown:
{"hour": 8, "minute": 44}
